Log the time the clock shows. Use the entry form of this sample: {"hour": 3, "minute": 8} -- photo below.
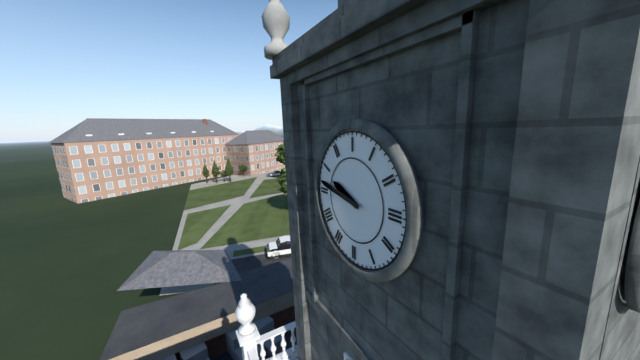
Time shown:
{"hour": 9, "minute": 47}
